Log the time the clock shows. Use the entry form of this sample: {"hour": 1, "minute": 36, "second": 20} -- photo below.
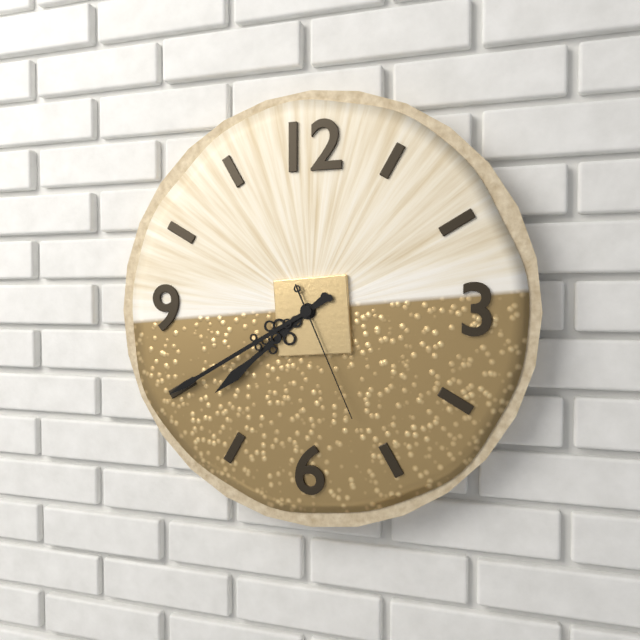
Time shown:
{"hour": 7, "minute": 40, "second": 26}
